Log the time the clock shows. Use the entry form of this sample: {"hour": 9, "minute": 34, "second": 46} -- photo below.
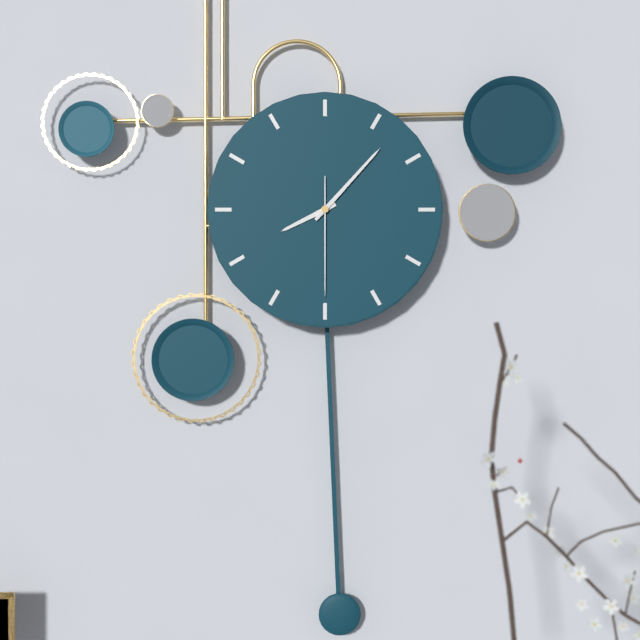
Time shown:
{"hour": 8, "minute": 7, "second": 30}
